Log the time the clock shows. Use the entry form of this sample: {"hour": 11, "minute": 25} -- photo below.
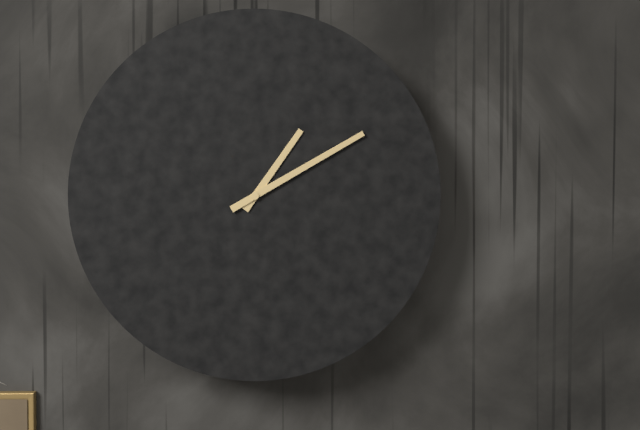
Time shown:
{"hour": 1, "minute": 10}
